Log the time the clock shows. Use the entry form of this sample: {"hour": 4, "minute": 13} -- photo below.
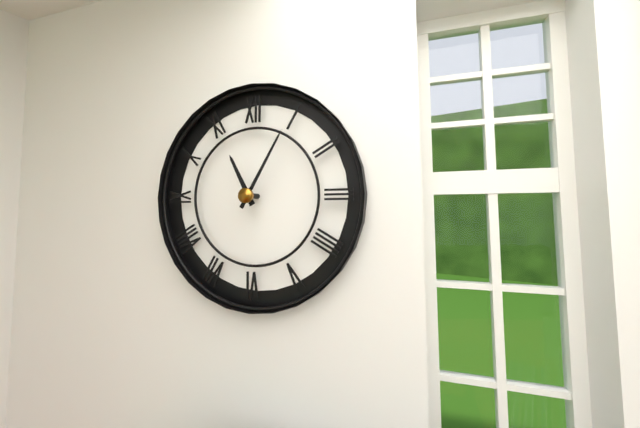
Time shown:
{"hour": 11, "minute": 5}
